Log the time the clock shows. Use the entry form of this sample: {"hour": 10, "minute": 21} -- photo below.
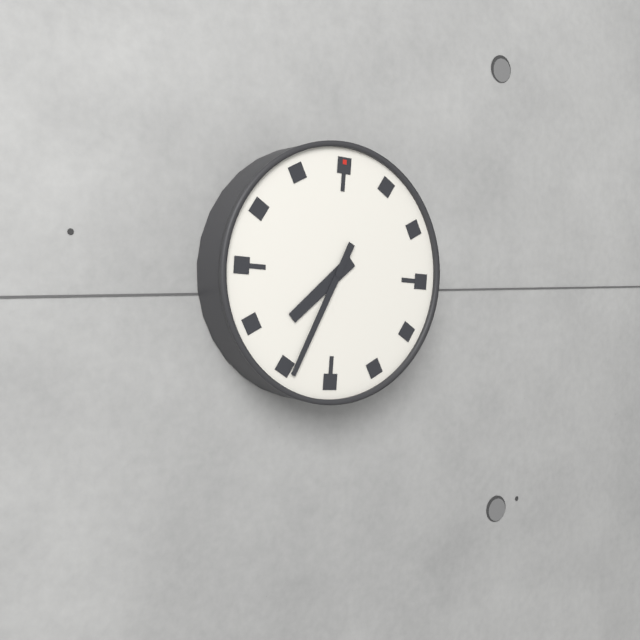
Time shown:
{"hour": 7, "minute": 34}
